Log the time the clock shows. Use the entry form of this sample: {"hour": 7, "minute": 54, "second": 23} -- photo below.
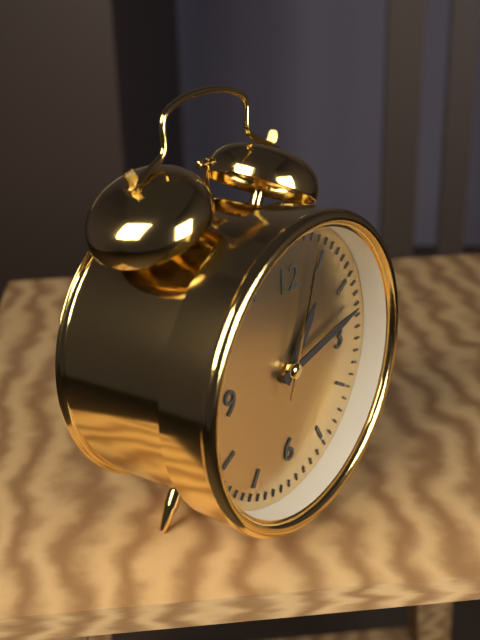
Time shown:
{"hour": 1, "minute": 13, "second": 3}
